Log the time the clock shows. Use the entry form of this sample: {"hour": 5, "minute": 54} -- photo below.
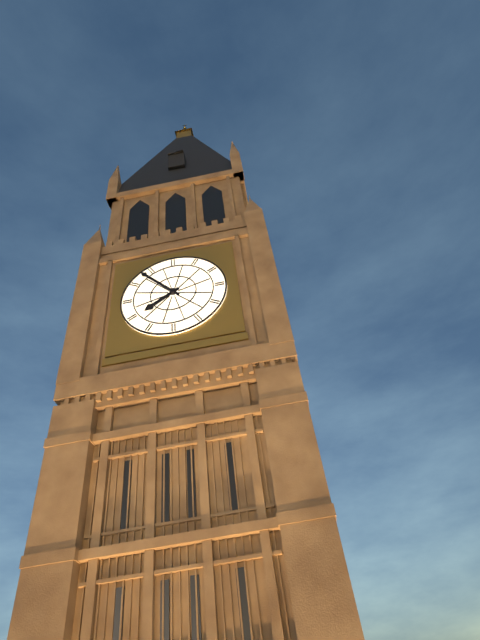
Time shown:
{"hour": 7, "minute": 53}
